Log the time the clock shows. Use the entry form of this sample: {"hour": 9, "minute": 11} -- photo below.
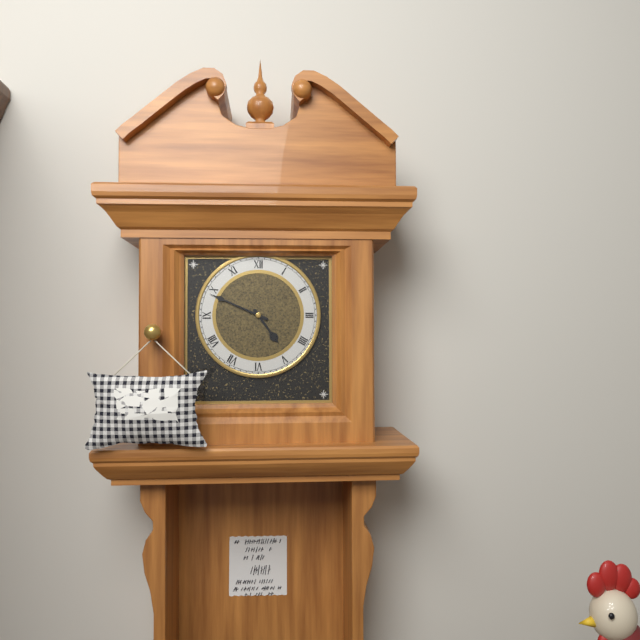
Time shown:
{"hour": 4, "minute": 49}
